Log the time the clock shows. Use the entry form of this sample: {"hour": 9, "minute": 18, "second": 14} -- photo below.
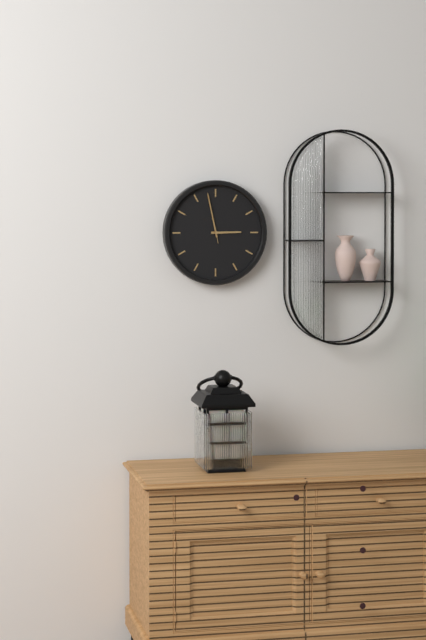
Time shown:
{"hour": 2, "minute": 58, "second": 58}
